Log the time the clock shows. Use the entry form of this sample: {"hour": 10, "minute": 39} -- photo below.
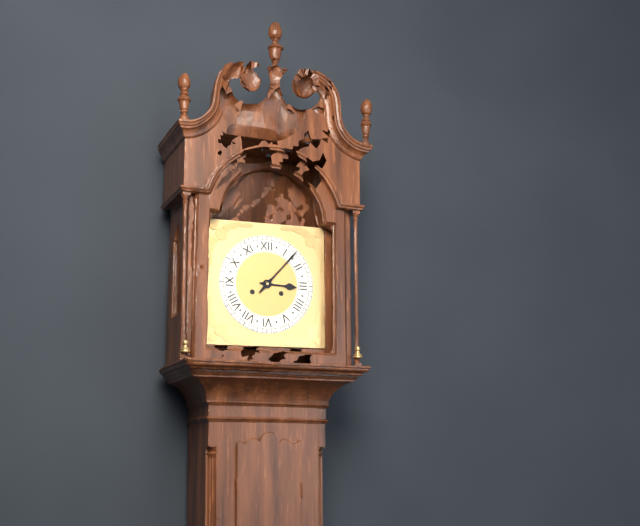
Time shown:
{"hour": 3, "minute": 7}
